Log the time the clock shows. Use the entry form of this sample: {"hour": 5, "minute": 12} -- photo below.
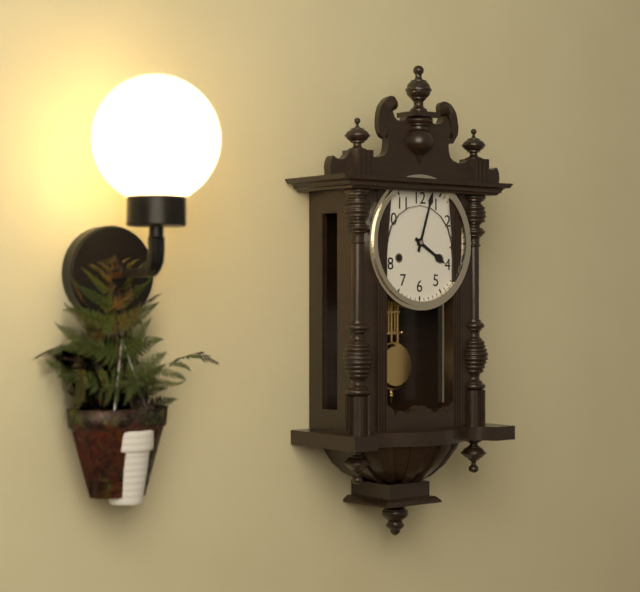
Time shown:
{"hour": 4, "minute": 3}
